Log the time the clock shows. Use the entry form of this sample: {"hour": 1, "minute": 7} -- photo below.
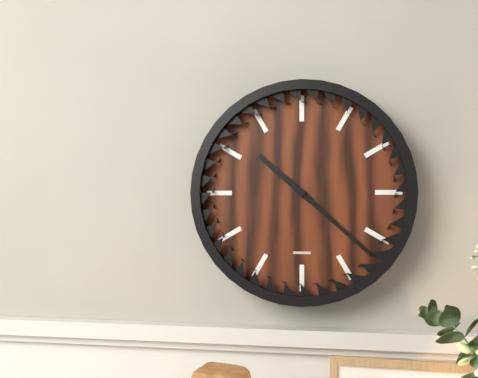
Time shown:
{"hour": 10, "minute": 22}
